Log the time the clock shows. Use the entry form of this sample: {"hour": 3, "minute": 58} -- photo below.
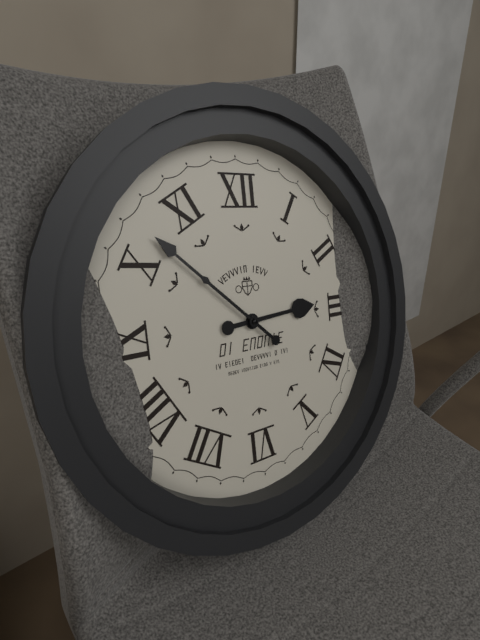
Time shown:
{"hour": 2, "minute": 52}
